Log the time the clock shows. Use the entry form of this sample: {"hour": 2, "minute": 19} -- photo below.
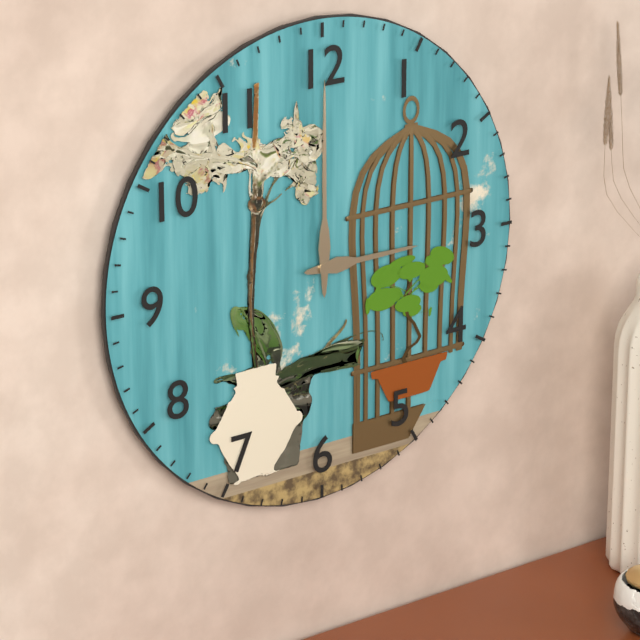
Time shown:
{"hour": 3, "minute": 0}
